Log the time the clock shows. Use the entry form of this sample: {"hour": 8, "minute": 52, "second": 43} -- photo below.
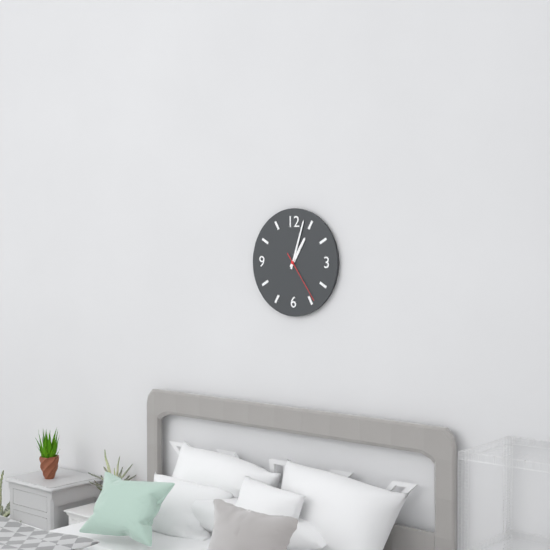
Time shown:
{"hour": 1, "minute": 3, "second": 24}
